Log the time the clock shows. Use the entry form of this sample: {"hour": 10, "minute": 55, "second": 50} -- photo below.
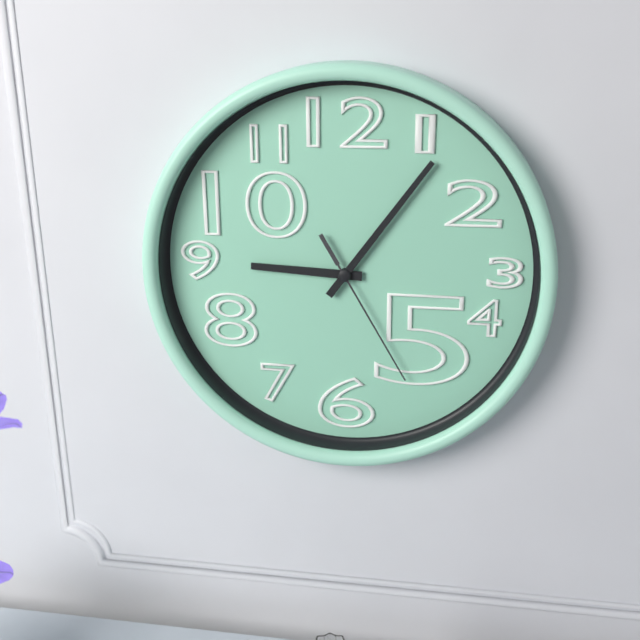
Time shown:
{"hour": 9, "minute": 6, "second": 25}
